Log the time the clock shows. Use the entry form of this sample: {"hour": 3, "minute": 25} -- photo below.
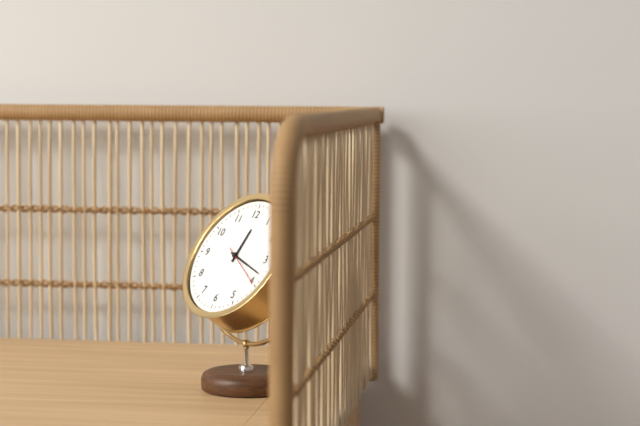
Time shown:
{"hour": 12, "minute": 18}
